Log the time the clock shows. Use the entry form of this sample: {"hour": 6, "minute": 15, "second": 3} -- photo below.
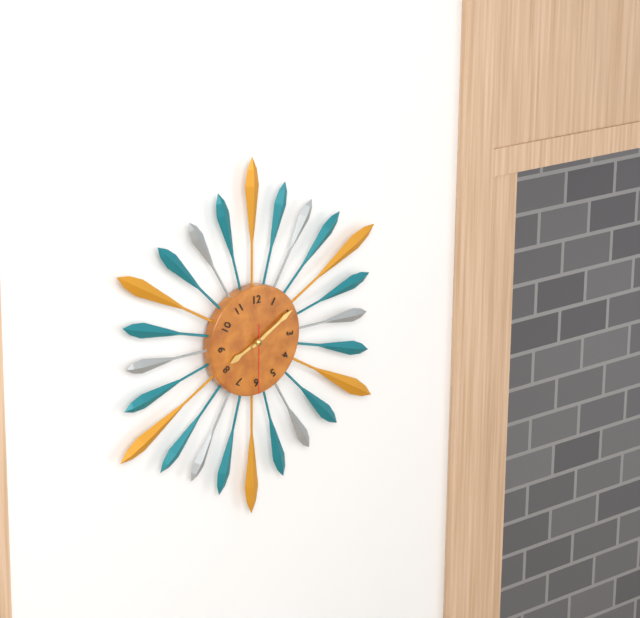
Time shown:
{"hour": 8, "minute": 10, "second": 30}
